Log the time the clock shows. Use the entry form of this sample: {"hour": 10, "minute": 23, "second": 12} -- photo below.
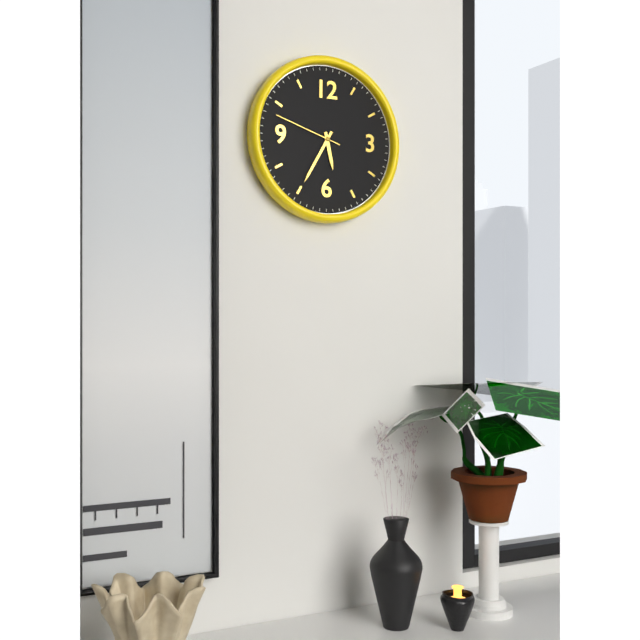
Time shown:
{"hour": 5, "minute": 35, "second": 48}
